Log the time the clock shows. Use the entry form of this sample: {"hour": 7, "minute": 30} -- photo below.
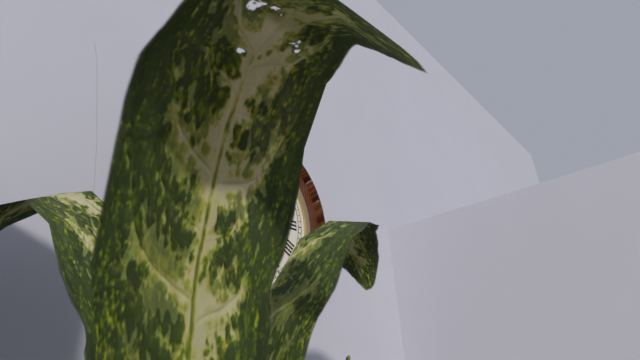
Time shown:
{"hour": 2, "minute": 55}
